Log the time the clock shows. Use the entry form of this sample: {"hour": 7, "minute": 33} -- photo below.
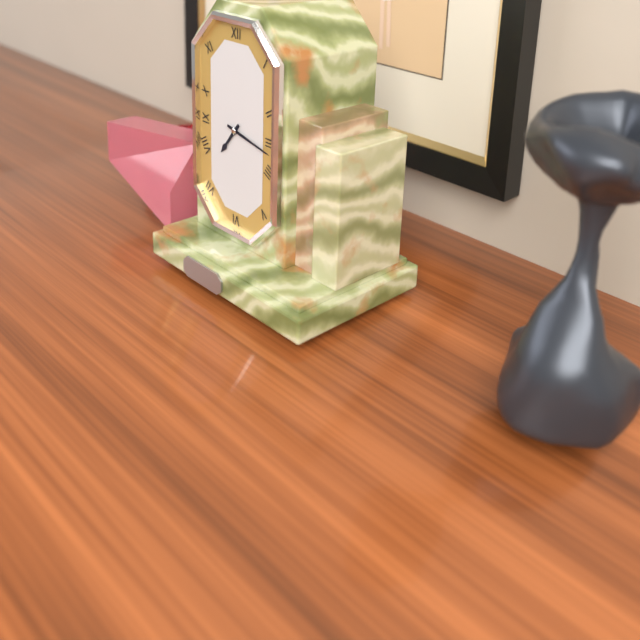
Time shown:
{"hour": 7, "minute": 17}
